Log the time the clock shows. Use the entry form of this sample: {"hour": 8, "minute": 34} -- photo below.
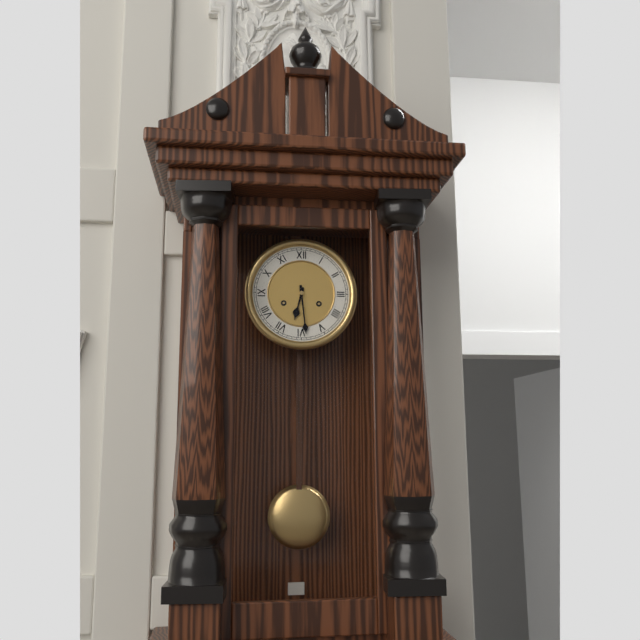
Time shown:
{"hour": 6, "minute": 29}
